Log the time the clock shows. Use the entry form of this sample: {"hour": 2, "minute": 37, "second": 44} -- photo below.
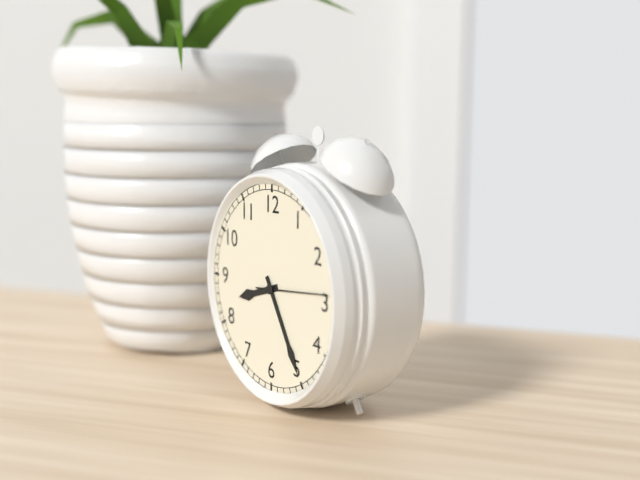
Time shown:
{"hour": 8, "minute": 25, "second": 14}
